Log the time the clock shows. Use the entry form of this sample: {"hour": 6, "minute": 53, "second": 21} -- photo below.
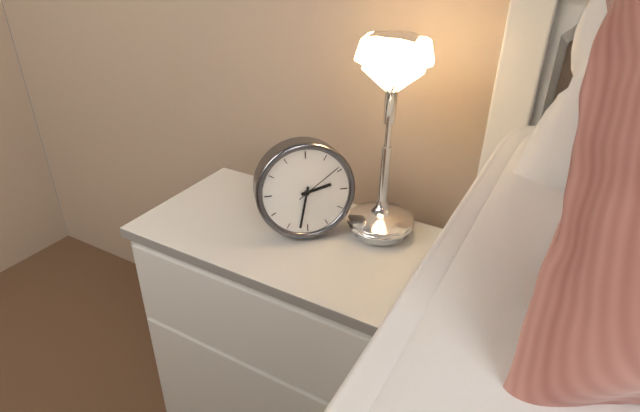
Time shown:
{"hour": 2, "minute": 32, "second": 9}
